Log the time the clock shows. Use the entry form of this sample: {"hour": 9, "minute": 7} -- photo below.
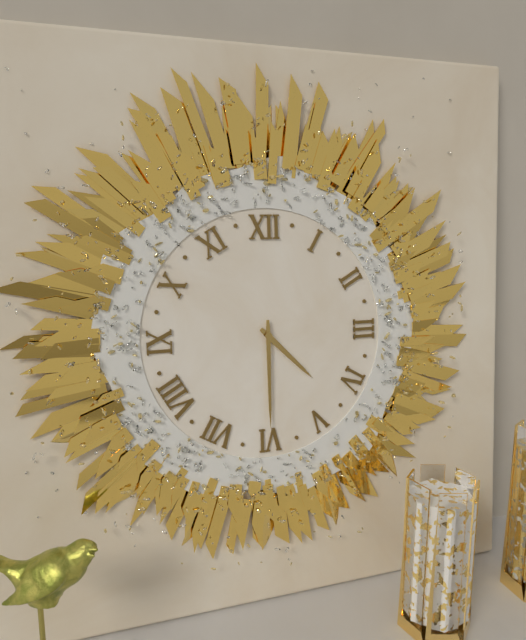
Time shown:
{"hour": 4, "minute": 30}
